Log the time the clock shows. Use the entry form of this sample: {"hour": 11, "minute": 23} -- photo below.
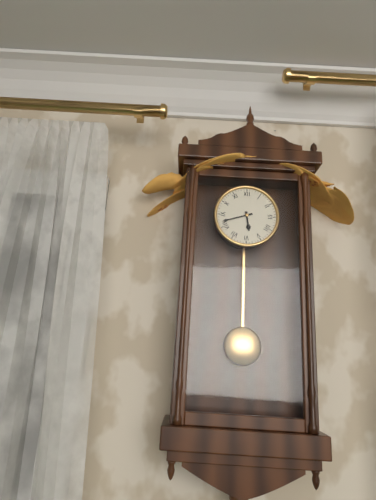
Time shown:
{"hour": 5, "minute": 42}
